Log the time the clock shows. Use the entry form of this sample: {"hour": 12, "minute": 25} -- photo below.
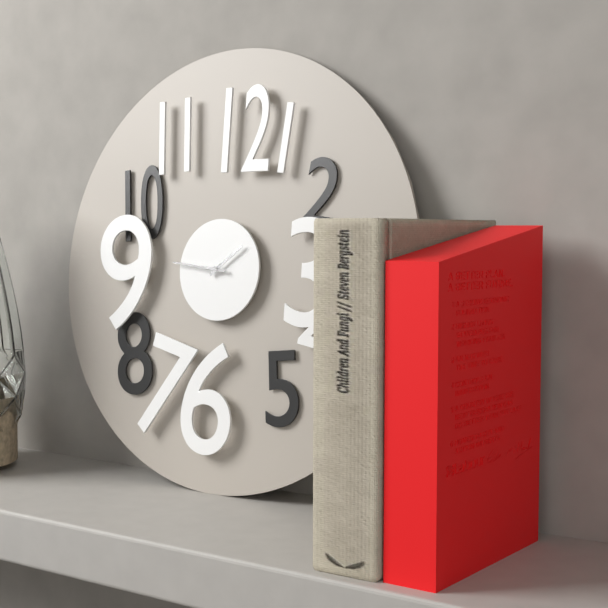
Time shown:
{"hour": 1, "minute": 46}
